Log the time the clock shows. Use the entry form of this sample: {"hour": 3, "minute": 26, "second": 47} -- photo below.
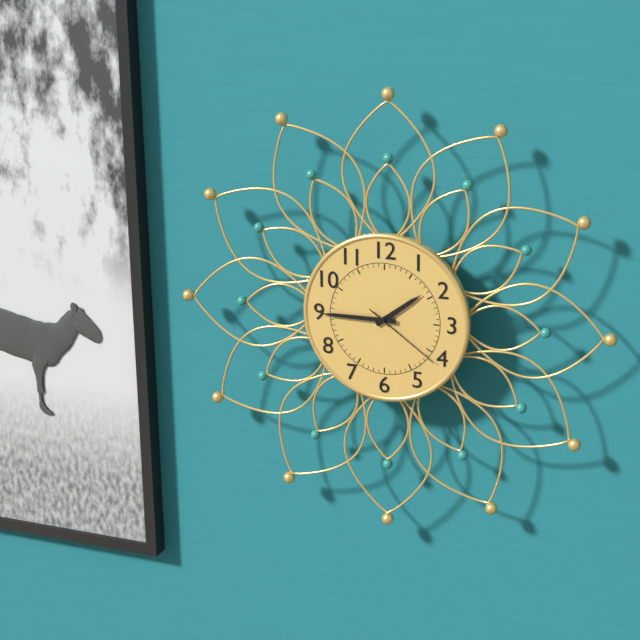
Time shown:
{"hour": 1, "minute": 45, "second": 21}
